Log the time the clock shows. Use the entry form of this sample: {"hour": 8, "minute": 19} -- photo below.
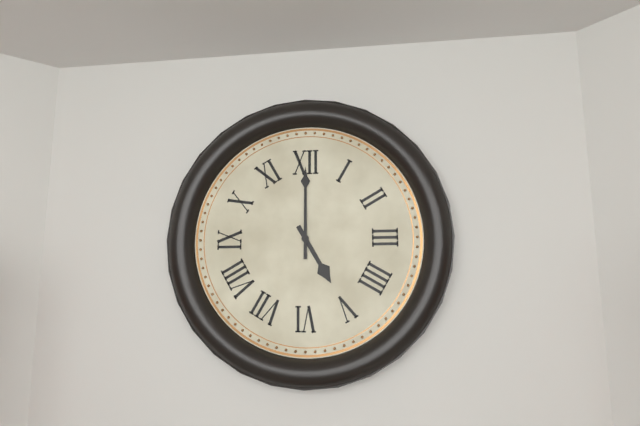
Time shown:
{"hour": 5, "minute": 0}
